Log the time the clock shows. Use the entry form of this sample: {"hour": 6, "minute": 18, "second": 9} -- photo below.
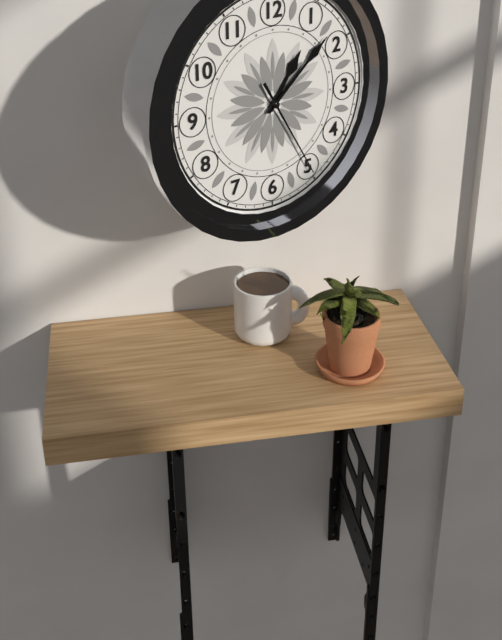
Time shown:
{"hour": 1, "minute": 8, "second": 25}
